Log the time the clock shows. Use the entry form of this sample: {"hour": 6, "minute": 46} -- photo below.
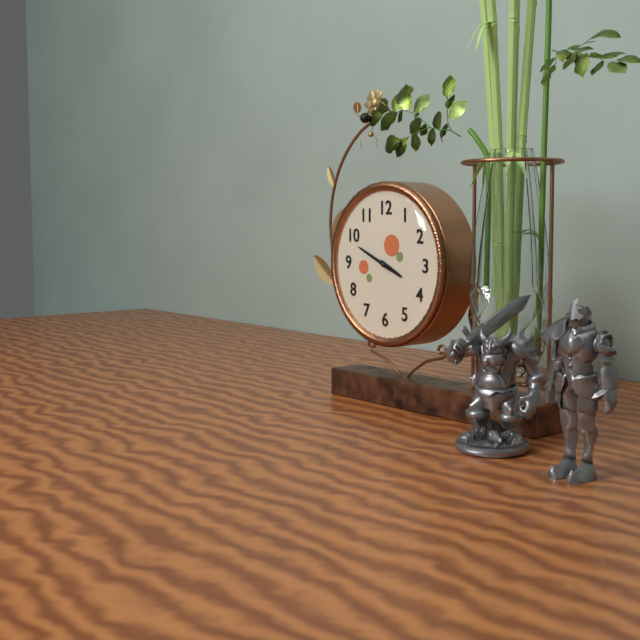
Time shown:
{"hour": 3, "minute": 49}
